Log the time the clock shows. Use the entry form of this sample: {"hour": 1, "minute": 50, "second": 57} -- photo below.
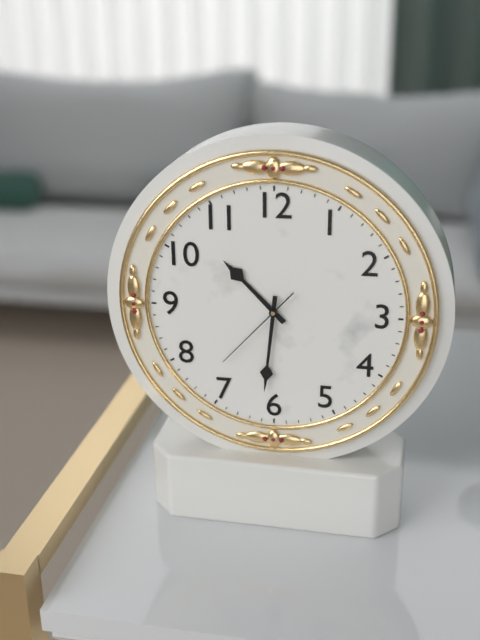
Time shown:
{"hour": 10, "minute": 31, "second": 37}
